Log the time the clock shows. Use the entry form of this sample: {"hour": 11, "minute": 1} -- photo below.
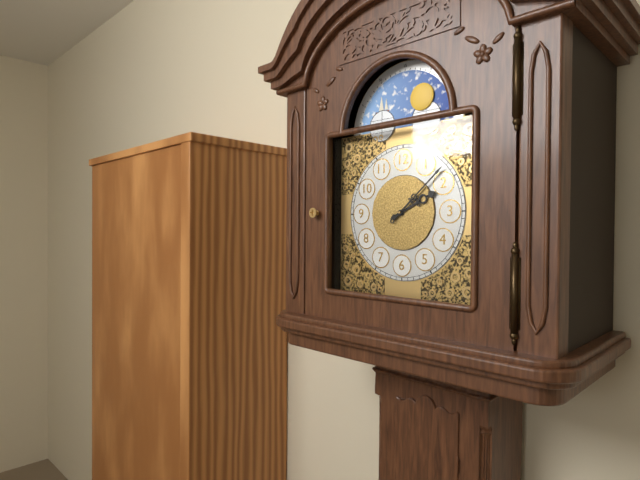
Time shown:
{"hour": 2, "minute": 8}
